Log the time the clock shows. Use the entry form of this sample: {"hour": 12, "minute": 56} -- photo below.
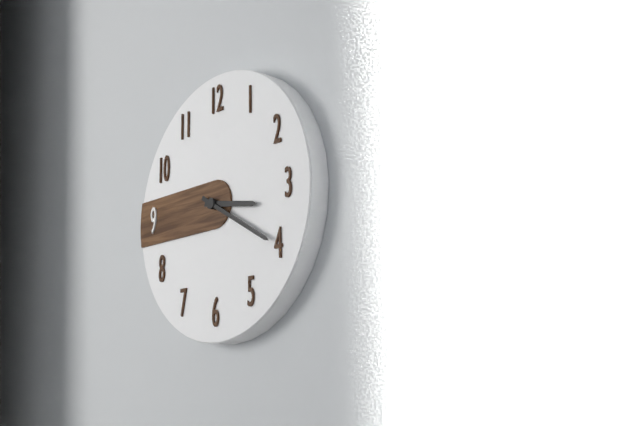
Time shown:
{"hour": 3, "minute": 20}
